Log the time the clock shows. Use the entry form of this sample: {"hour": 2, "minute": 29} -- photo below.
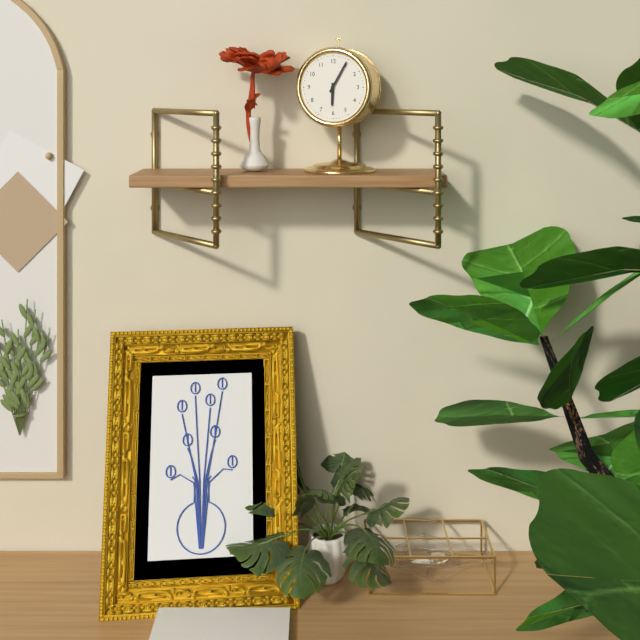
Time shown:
{"hour": 6, "minute": 5}
